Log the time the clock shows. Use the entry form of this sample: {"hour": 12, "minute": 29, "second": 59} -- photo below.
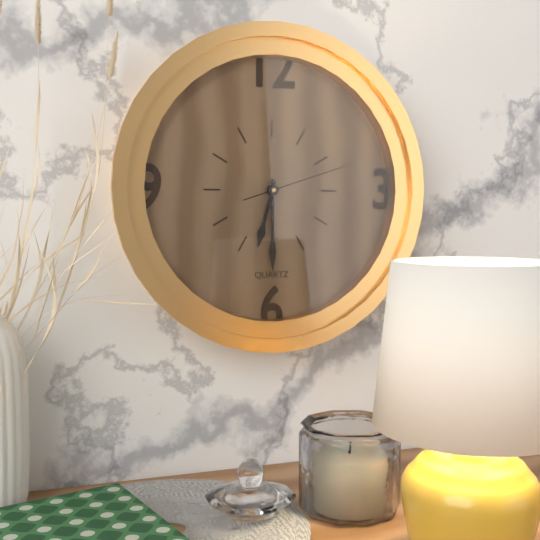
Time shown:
{"hour": 6, "minute": 30, "second": 12}
